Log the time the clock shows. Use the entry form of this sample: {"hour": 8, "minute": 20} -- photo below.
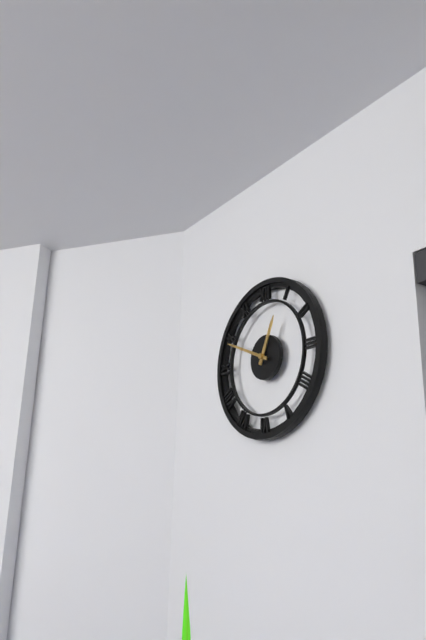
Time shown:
{"hour": 12, "minute": 49}
